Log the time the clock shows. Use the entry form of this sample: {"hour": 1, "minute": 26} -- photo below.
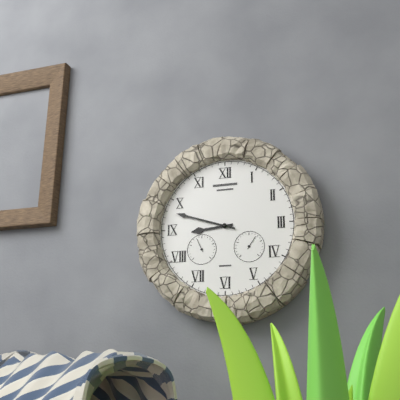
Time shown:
{"hour": 8, "minute": 48}
